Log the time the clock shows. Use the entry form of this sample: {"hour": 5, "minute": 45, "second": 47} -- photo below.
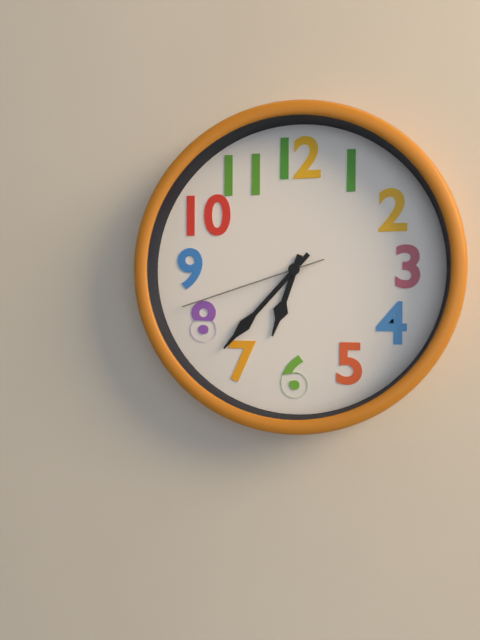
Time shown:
{"hour": 6, "minute": 37, "second": 42}
